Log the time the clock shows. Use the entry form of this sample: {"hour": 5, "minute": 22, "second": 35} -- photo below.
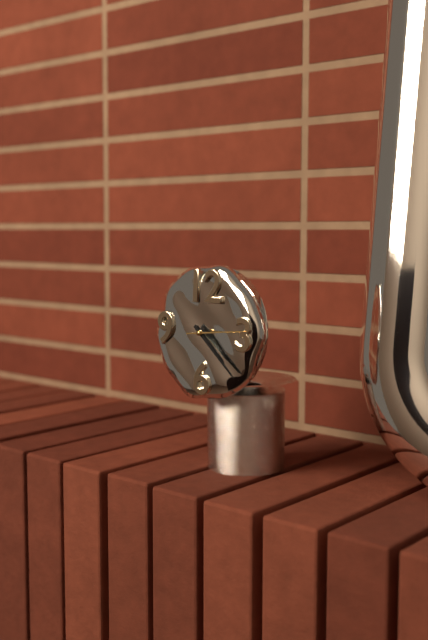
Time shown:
{"hour": 4, "minute": 22, "second": 14}
